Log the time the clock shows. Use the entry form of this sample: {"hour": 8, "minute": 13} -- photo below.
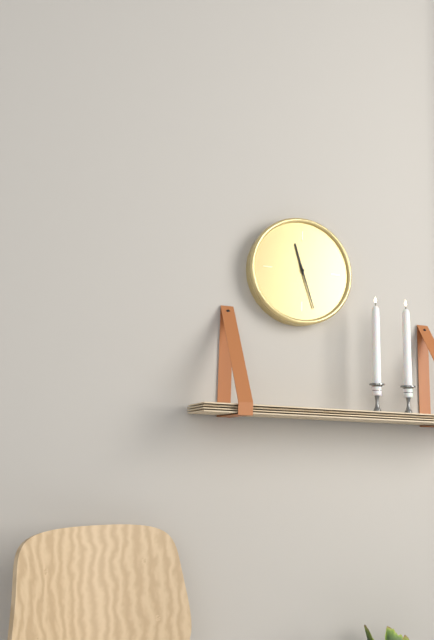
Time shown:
{"hour": 11, "minute": 27}
